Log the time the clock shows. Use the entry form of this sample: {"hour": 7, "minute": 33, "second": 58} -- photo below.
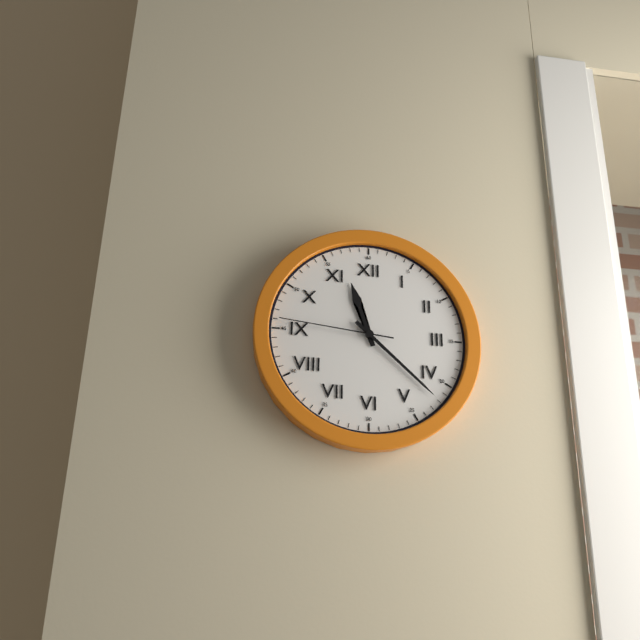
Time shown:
{"hour": 11, "minute": 22, "second": 46}
